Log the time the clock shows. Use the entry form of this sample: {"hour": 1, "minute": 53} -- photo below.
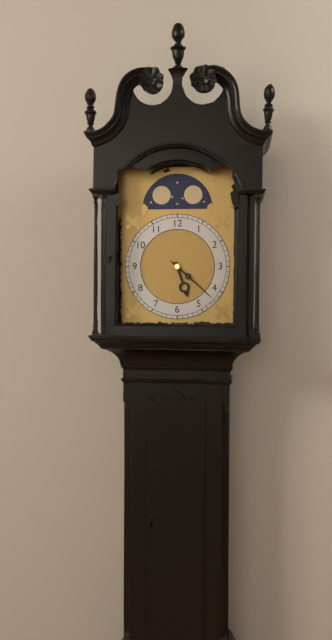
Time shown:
{"hour": 5, "minute": 22}
